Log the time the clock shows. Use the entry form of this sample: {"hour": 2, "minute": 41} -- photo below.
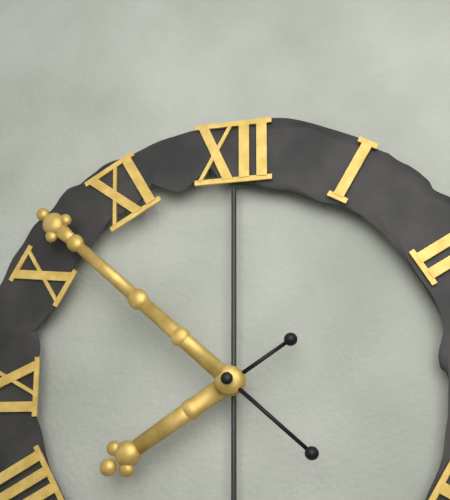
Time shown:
{"hour": 7, "minute": 52}
